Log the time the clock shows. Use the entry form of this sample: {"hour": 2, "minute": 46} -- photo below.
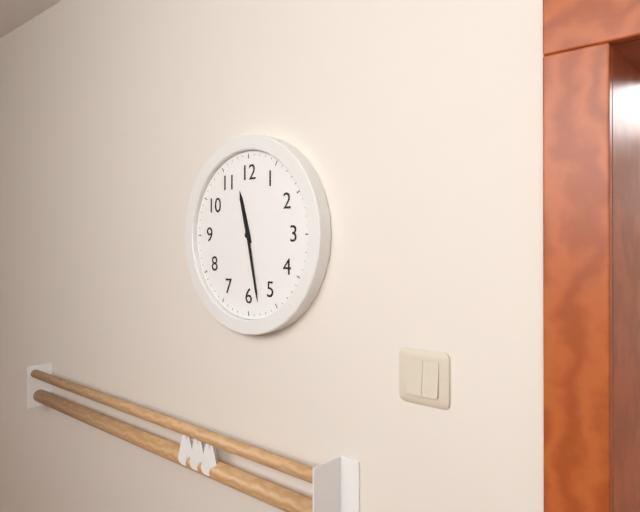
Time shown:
{"hour": 11, "minute": 28}
